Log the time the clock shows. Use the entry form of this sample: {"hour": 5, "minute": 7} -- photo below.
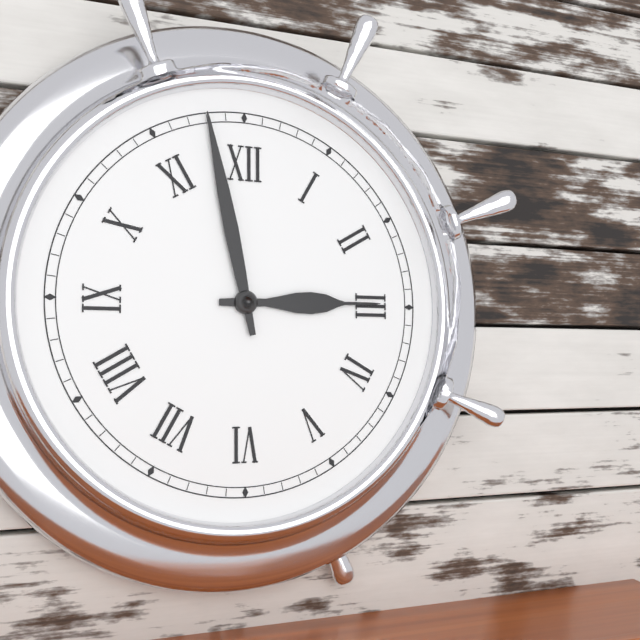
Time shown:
{"hour": 2, "minute": 58}
